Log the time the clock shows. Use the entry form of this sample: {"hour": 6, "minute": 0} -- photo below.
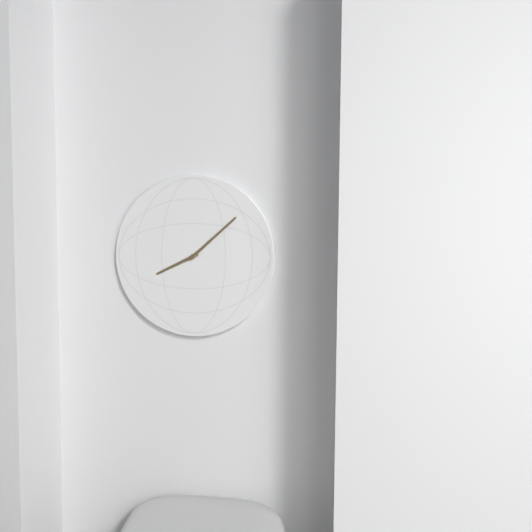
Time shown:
{"hour": 8, "minute": 8}
